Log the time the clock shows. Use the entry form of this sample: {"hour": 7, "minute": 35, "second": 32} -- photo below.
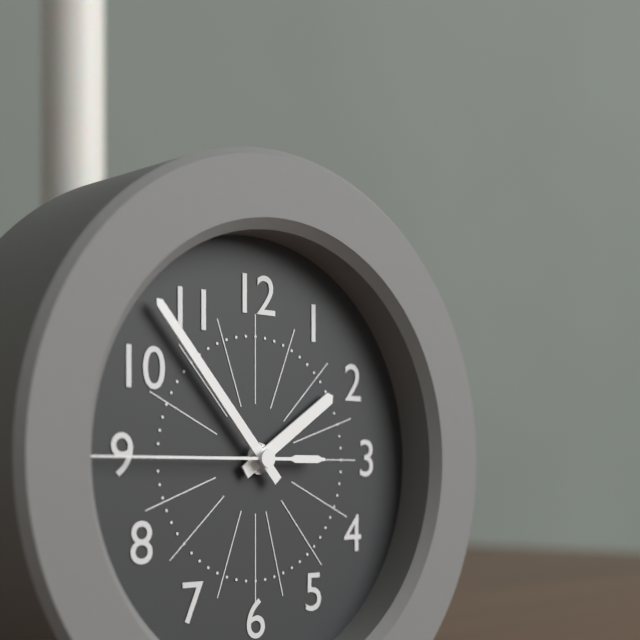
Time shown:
{"hour": 1, "minute": 53, "second": 45}
